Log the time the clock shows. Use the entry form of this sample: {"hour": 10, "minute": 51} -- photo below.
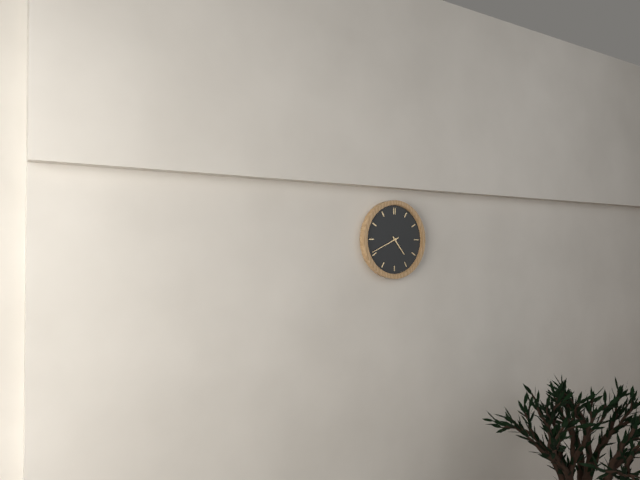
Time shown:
{"hour": 4, "minute": 41}
